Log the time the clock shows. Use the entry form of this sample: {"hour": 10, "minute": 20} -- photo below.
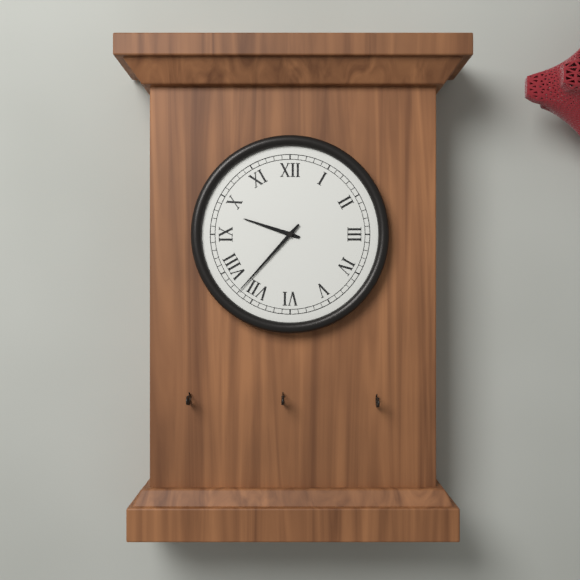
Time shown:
{"hour": 9, "minute": 37}
